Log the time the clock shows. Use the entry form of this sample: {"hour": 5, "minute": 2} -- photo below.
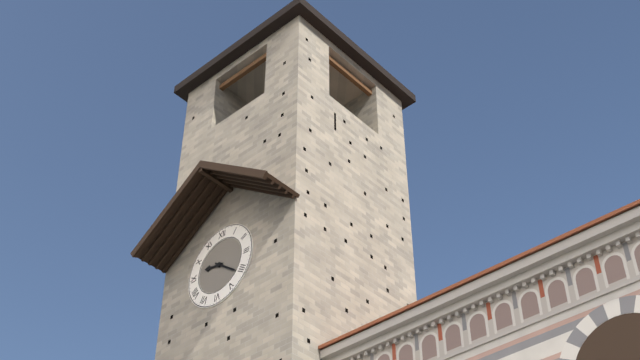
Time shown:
{"hour": 9, "minute": 21}
